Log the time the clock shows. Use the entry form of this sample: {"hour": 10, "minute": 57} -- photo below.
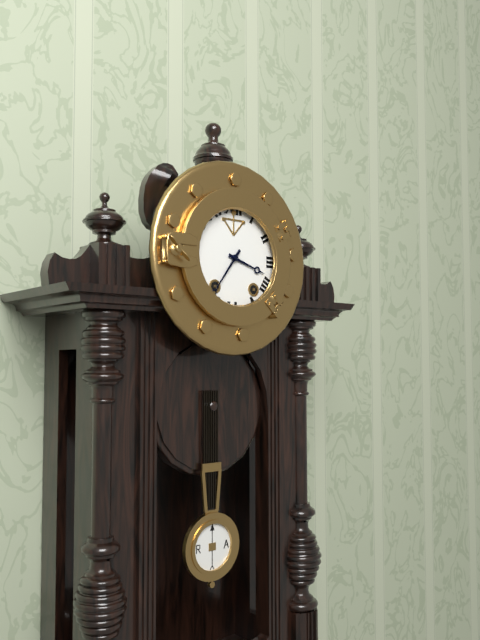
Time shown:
{"hour": 3, "minute": 36}
